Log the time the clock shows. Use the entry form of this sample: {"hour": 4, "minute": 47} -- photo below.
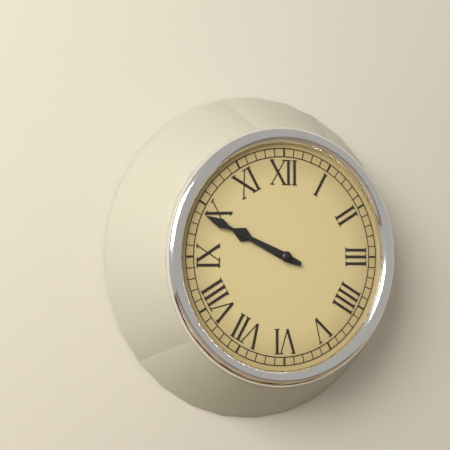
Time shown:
{"hour": 9, "minute": 49}
